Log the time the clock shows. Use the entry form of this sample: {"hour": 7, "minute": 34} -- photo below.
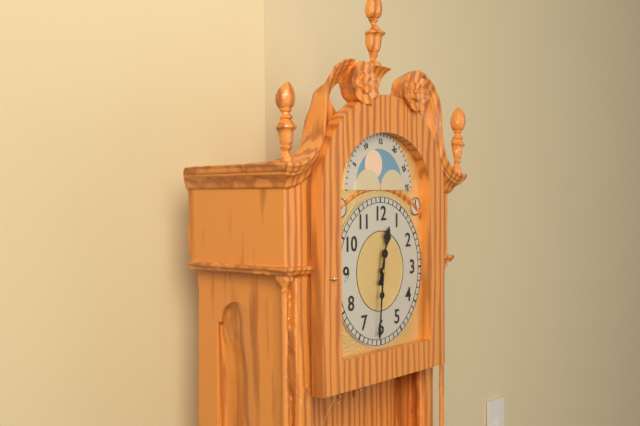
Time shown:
{"hour": 12, "minute": 31}
